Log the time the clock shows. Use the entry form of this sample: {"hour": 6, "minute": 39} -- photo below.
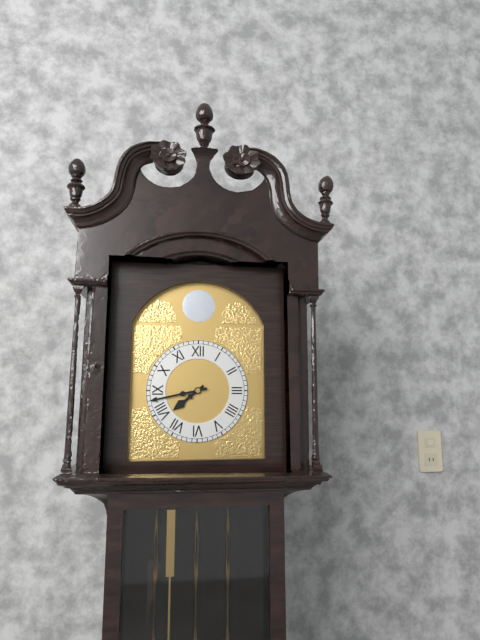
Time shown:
{"hour": 7, "minute": 43}
